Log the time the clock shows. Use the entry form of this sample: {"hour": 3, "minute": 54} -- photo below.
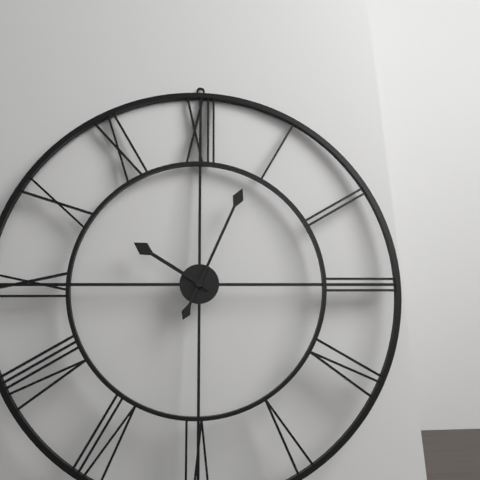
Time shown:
{"hour": 10, "minute": 4}
